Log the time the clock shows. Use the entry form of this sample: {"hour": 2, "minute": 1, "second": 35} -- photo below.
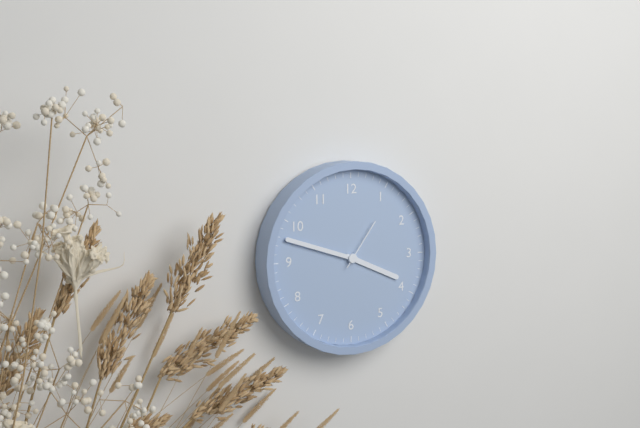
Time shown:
{"hour": 3, "minute": 48, "second": 6}
